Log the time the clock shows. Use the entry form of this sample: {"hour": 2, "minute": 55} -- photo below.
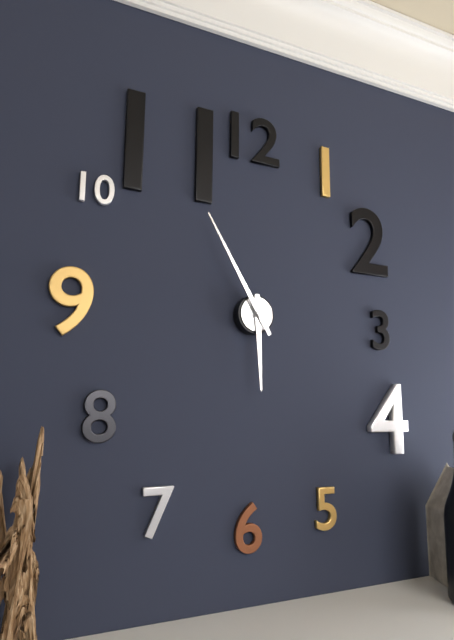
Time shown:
{"hour": 5, "minute": 55}
